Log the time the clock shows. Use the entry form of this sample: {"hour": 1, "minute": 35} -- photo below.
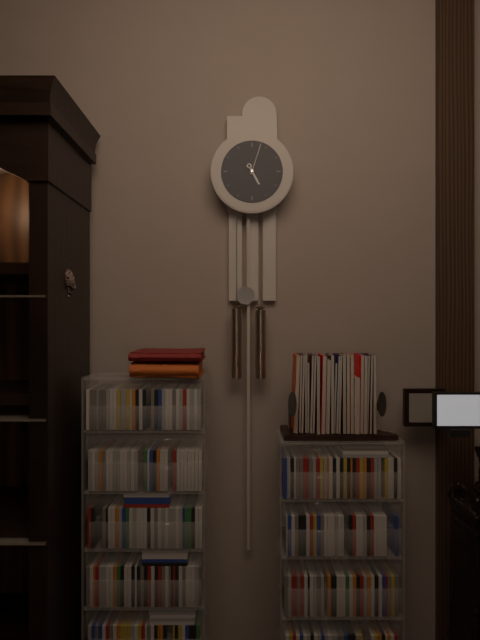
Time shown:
{"hour": 5, "minute": 3}
